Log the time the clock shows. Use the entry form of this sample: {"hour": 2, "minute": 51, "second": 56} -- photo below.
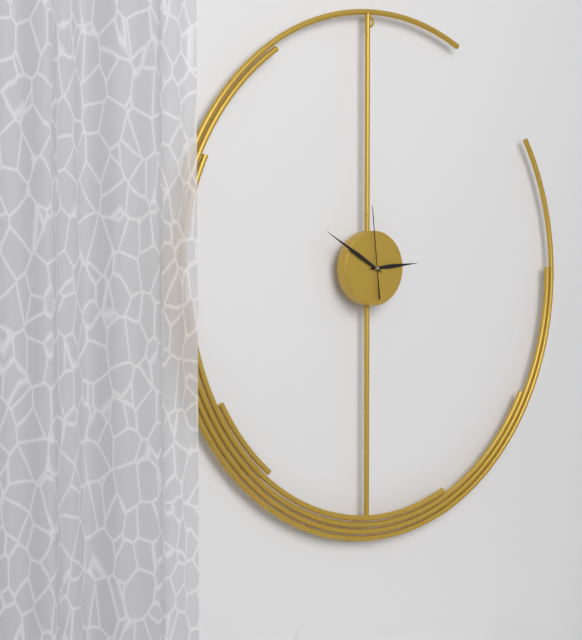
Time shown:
{"hour": 2, "minute": 50, "second": 59}
